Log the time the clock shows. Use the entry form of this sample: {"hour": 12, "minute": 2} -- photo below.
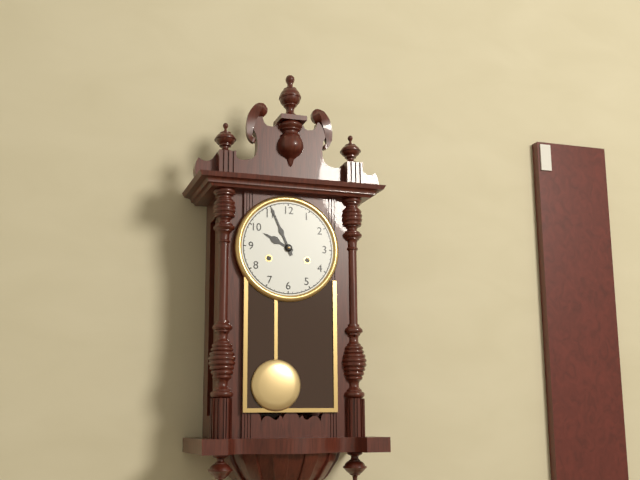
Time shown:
{"hour": 9, "minute": 56}
